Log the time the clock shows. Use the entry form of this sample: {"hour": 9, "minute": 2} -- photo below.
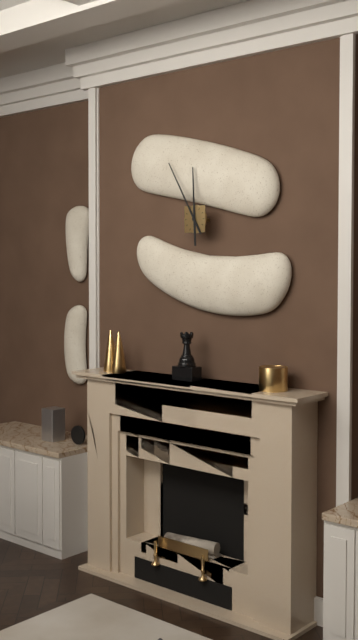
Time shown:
{"hour": 11, "minute": 55}
